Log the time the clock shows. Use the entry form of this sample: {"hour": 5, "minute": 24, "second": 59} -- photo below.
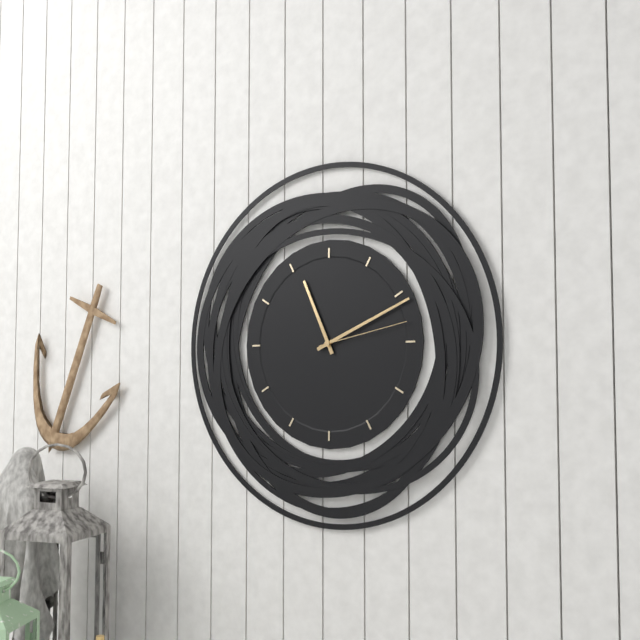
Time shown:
{"hour": 11, "minute": 11, "second": 13}
